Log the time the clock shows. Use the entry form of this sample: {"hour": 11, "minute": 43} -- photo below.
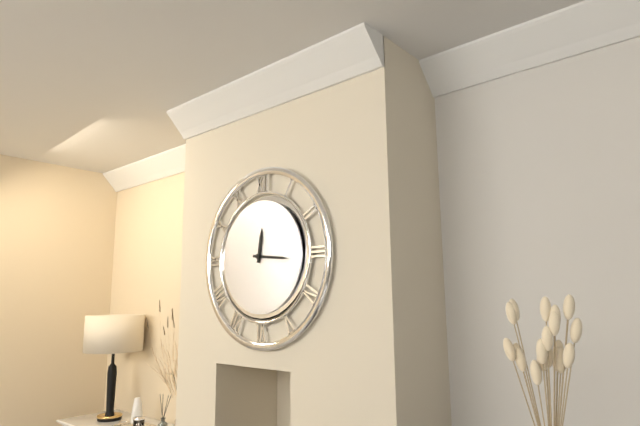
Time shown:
{"hour": 12, "minute": 16}
